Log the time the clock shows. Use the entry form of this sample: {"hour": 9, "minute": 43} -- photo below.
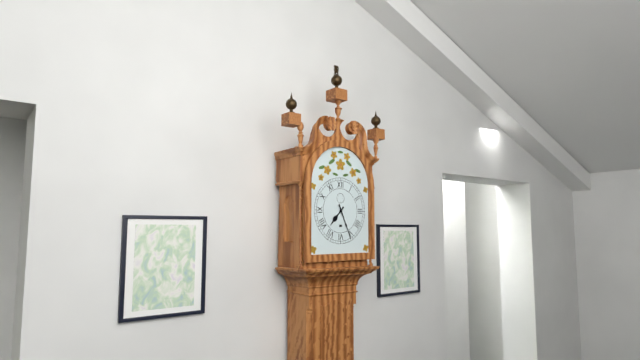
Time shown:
{"hour": 7, "minute": 26}
